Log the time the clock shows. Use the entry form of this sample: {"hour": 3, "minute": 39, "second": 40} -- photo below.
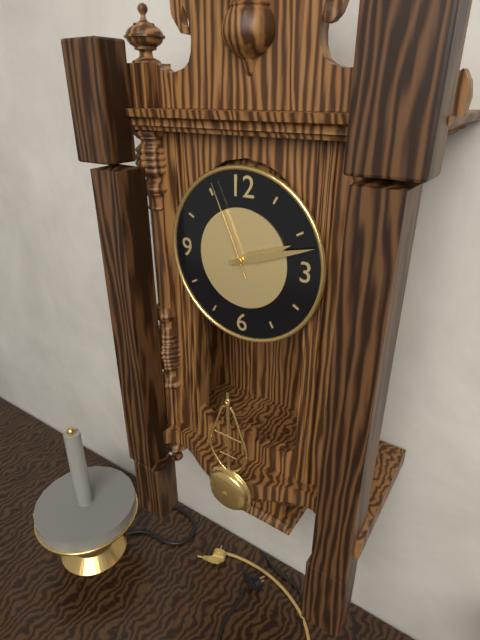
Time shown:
{"hour": 2, "minute": 12, "second": 56}
